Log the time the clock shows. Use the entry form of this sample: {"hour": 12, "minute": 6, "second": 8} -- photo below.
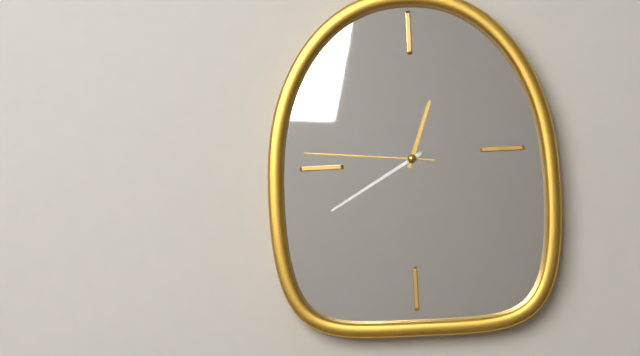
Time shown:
{"hour": 12, "minute": 40, "second": 46}
